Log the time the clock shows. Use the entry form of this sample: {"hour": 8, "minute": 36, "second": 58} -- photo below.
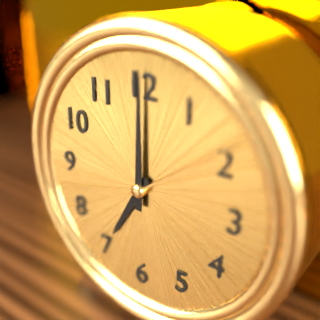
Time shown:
{"hour": 7, "minute": 0, "second": 9}
